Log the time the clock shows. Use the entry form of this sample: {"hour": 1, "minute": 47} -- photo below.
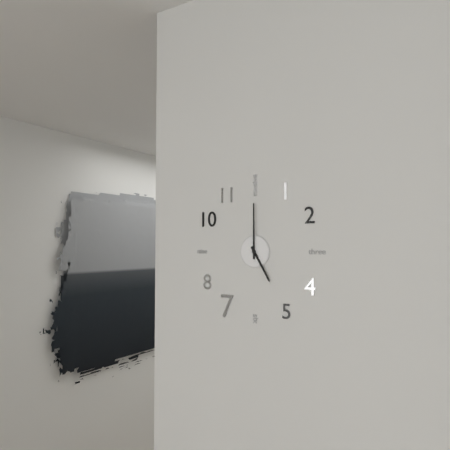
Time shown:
{"hour": 5, "minute": 0}
